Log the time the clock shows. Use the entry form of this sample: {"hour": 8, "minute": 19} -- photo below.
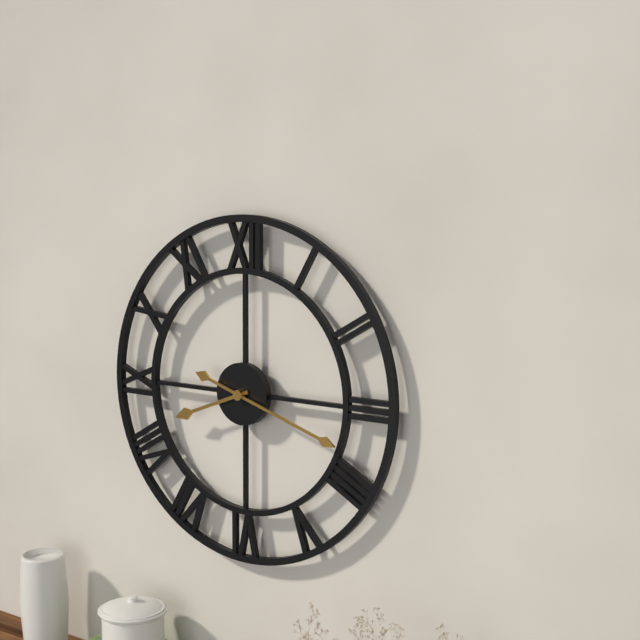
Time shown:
{"hour": 8, "minute": 18}
